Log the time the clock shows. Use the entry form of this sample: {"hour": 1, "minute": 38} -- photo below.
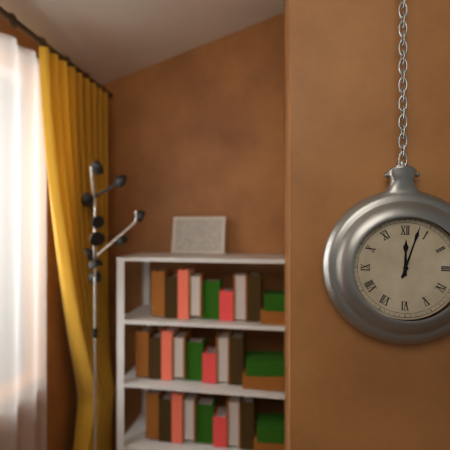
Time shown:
{"hour": 12, "minute": 3}
